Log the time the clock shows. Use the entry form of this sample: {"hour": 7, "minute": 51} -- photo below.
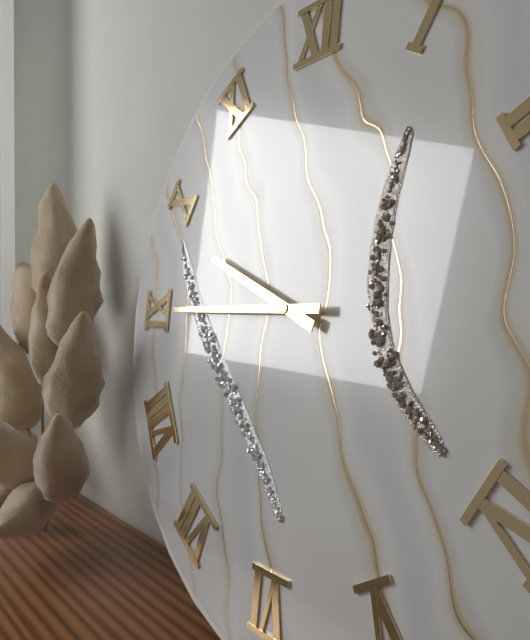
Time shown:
{"hour": 9, "minute": 45}
